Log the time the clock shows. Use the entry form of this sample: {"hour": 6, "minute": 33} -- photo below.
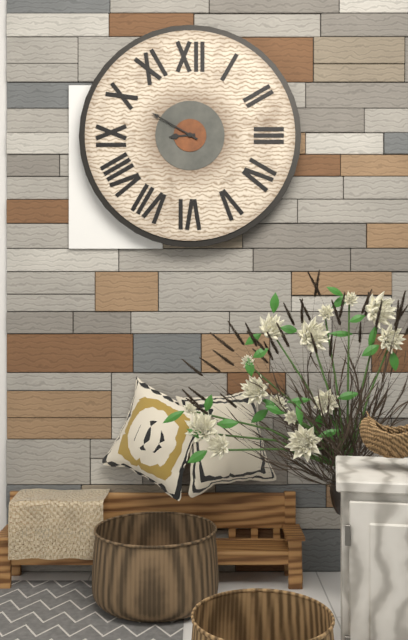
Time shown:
{"hour": 8, "minute": 50}
